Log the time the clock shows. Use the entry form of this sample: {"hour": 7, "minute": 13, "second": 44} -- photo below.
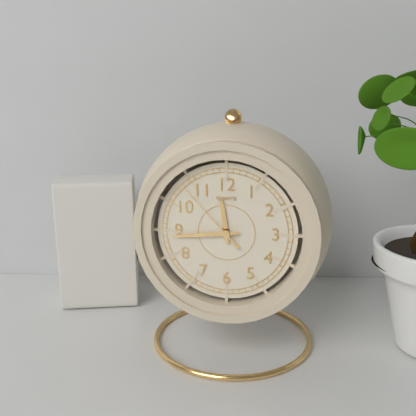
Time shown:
{"hour": 11, "minute": 44, "second": 53}
